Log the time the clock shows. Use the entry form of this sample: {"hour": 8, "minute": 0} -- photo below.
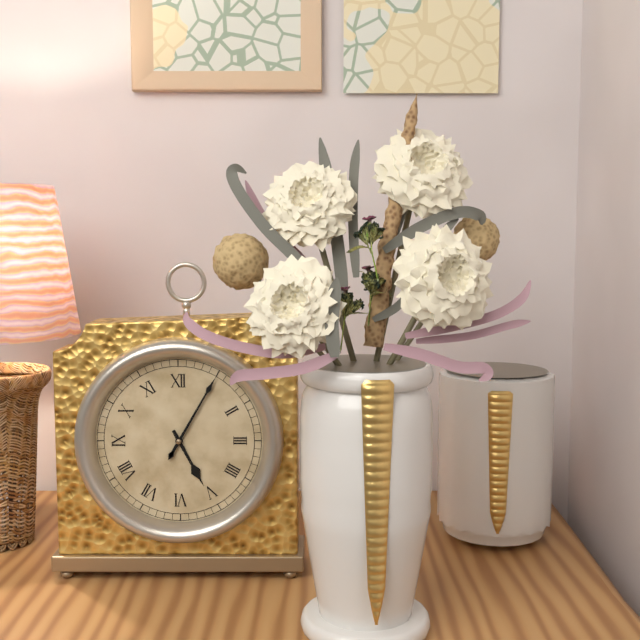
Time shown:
{"hour": 5, "minute": 5}
